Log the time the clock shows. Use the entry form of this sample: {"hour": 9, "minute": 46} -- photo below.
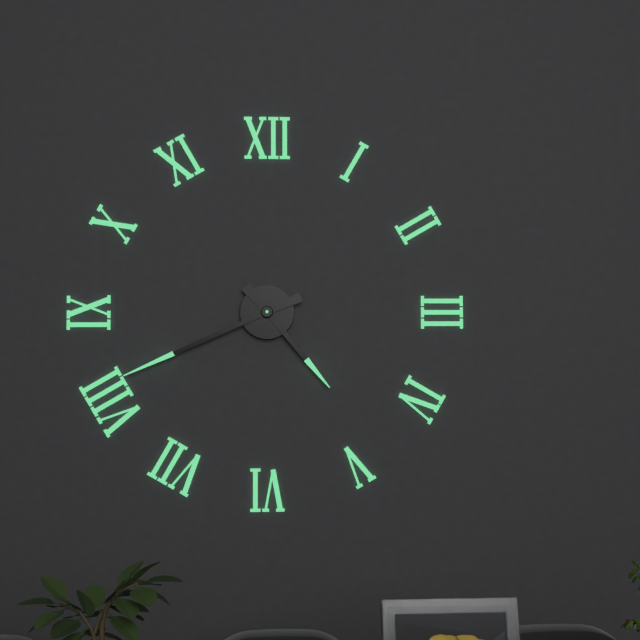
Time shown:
{"hour": 4, "minute": 41}
